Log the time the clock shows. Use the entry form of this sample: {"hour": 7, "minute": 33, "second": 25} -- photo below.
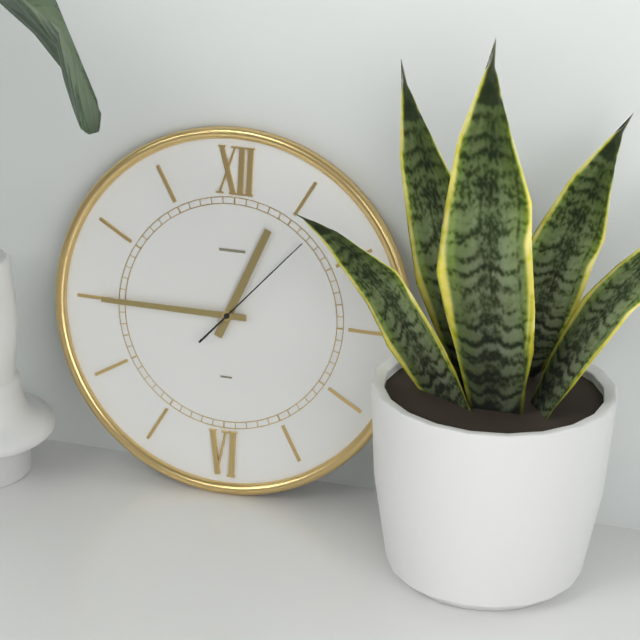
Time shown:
{"hour": 12, "minute": 45, "second": 7}
